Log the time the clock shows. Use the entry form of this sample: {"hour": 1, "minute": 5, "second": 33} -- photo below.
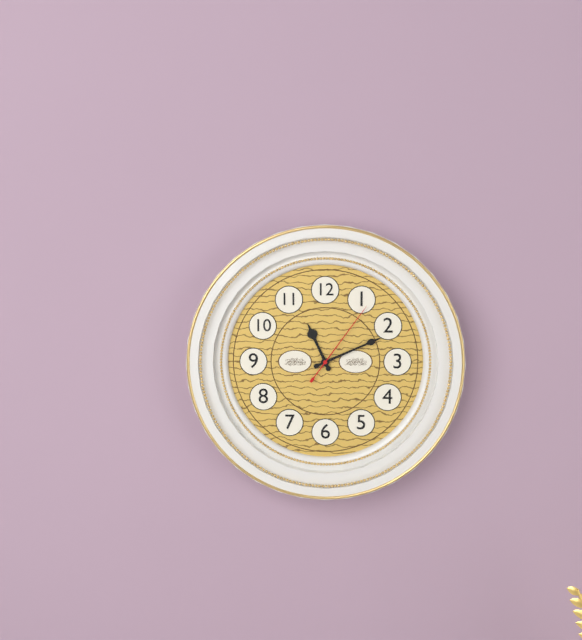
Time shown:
{"hour": 11, "minute": 11, "second": 6}
